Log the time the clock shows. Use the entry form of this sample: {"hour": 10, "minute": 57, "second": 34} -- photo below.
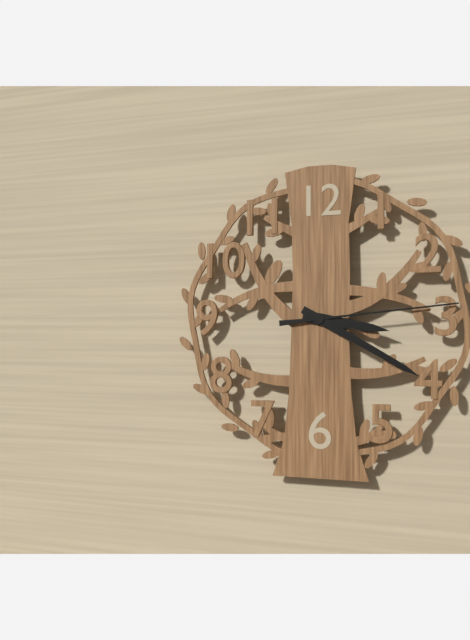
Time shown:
{"hour": 3, "minute": 20, "second": 14}
